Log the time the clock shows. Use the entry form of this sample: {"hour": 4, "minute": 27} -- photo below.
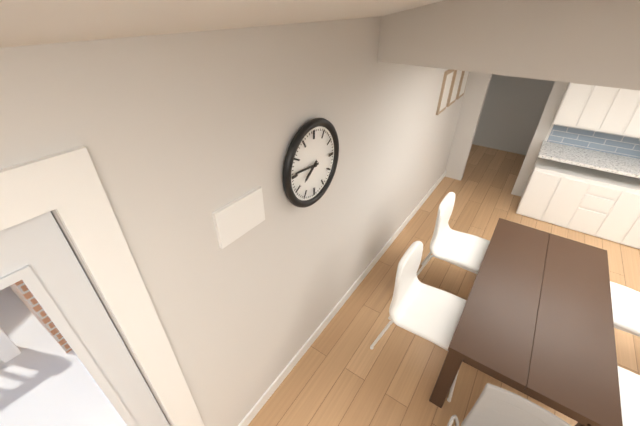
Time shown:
{"hour": 7, "minute": 46}
